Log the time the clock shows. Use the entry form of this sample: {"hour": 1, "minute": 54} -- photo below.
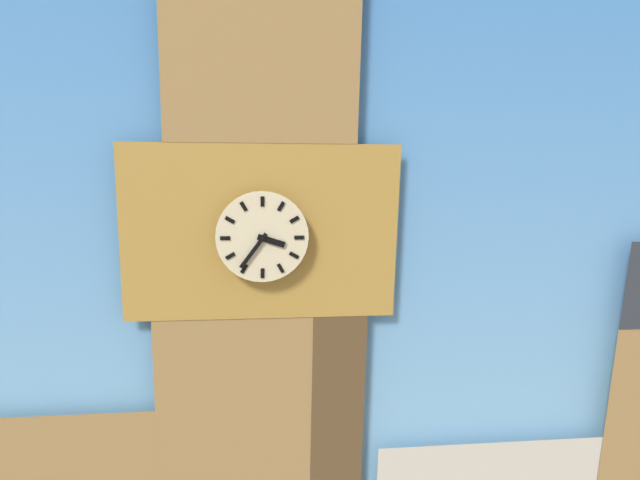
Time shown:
{"hour": 3, "minute": 36}
